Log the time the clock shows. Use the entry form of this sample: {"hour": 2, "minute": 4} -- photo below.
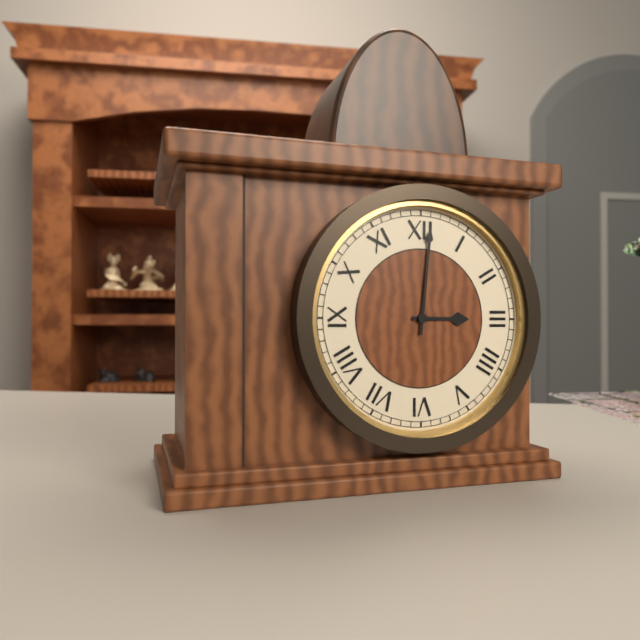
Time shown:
{"hour": 3, "minute": 1}
